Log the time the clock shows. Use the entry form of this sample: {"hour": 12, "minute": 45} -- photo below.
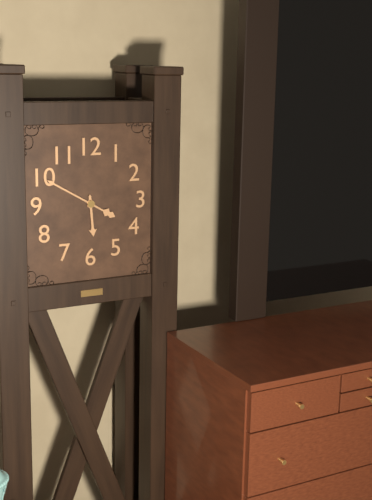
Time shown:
{"hour": 5, "minute": 50}
